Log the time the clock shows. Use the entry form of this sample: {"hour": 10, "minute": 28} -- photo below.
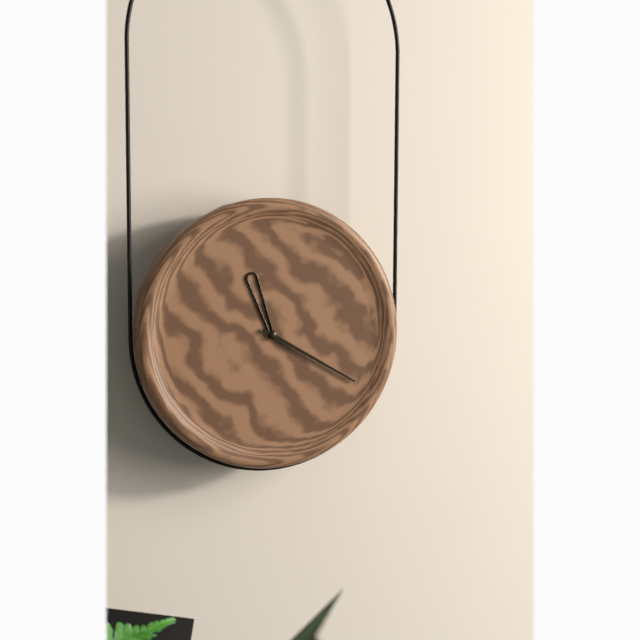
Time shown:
{"hour": 11, "minute": 20}
